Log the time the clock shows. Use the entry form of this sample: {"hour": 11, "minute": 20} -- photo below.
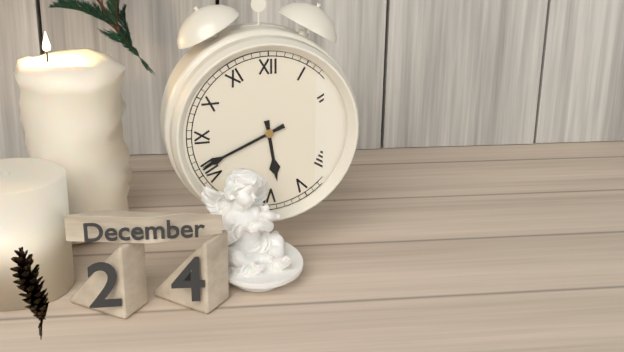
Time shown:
{"hour": 5, "minute": 41}
